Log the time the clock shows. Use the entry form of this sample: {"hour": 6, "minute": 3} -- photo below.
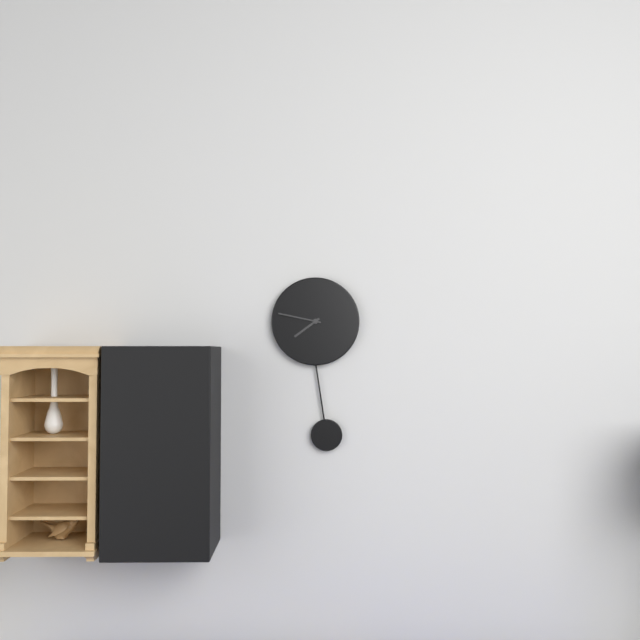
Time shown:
{"hour": 7, "minute": 47}
